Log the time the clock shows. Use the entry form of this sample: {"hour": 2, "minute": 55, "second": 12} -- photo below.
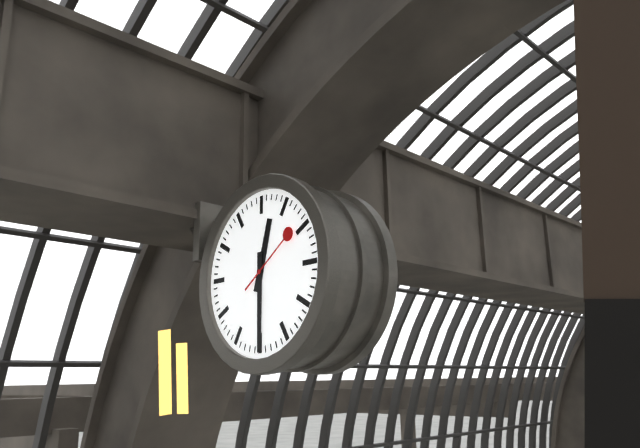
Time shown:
{"hour": 12, "minute": 30, "second": 9}
